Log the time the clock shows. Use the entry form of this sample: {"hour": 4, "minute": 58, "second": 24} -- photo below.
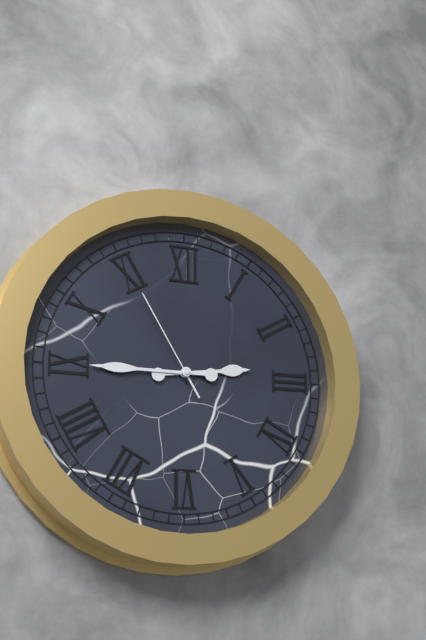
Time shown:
{"hour": 2, "minute": 45, "second": 55}
